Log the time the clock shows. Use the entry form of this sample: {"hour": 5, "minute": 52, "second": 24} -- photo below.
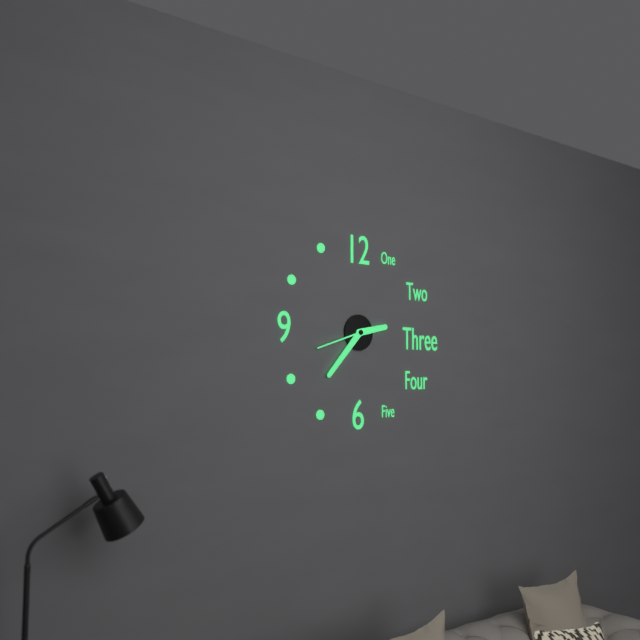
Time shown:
{"hour": 2, "minute": 37, "second": 42}
